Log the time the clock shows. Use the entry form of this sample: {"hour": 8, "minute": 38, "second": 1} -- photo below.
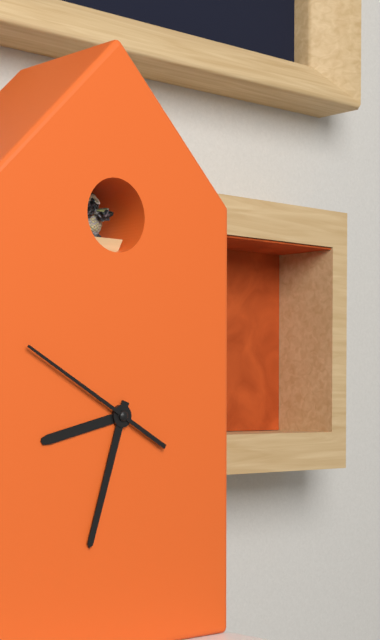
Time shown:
{"hour": 8, "minute": 33, "second": 50}
